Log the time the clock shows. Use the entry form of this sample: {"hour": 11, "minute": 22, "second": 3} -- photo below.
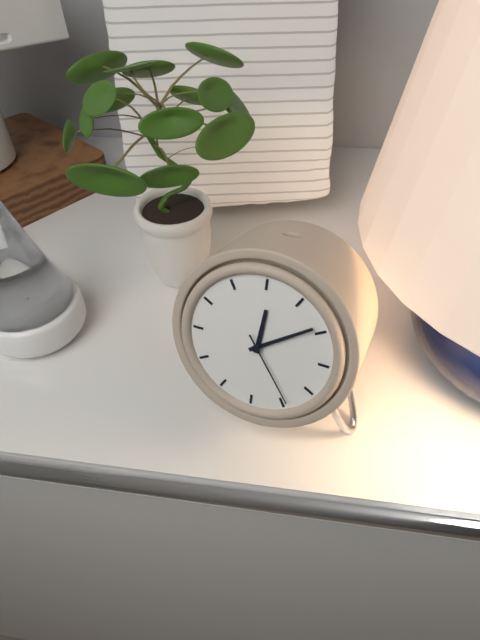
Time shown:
{"hour": 12, "minute": 9, "second": 24}
